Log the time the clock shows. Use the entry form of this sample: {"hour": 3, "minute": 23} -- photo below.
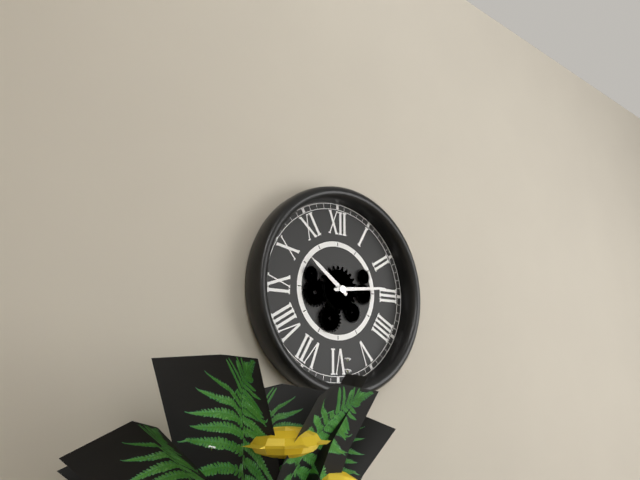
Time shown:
{"hour": 10, "minute": 14}
